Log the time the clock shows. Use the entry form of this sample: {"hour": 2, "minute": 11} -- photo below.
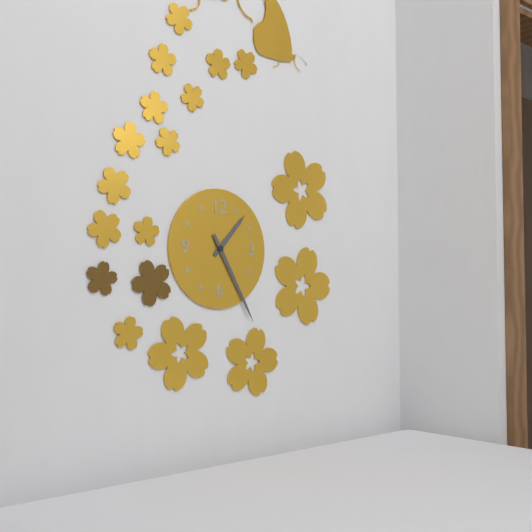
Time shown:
{"hour": 1, "minute": 25}
